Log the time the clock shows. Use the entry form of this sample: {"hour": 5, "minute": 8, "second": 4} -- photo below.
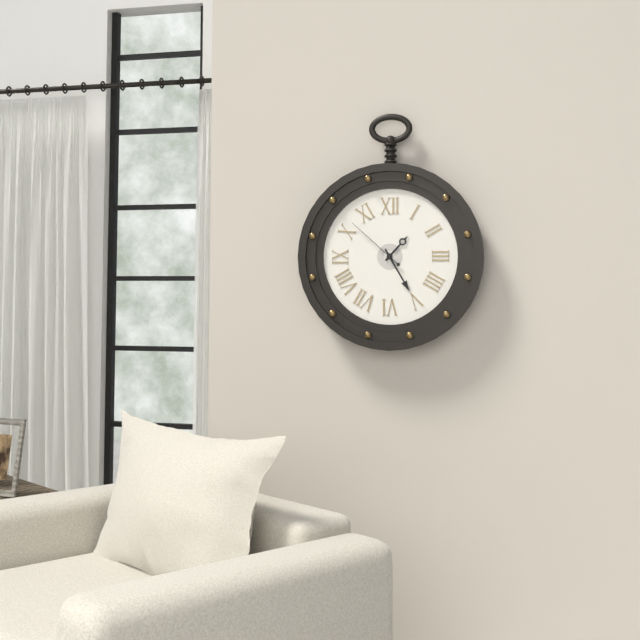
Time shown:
{"hour": 1, "minute": 25, "second": 52}
